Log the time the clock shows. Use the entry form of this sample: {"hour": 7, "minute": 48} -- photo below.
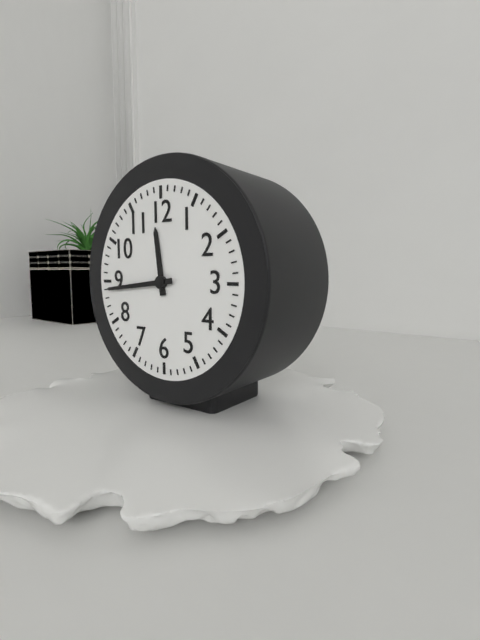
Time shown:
{"hour": 11, "minute": 44}
